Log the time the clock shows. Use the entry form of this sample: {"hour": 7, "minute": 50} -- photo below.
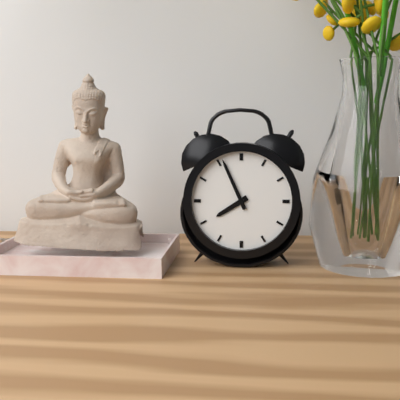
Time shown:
{"hour": 7, "minute": 56}
